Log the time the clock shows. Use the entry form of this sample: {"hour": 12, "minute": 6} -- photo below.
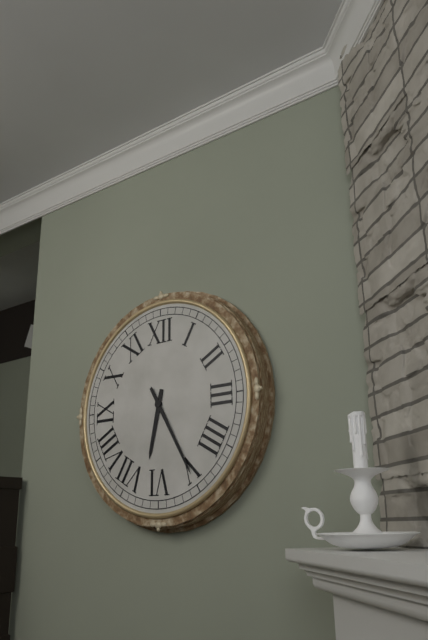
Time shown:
{"hour": 6, "minute": 25}
